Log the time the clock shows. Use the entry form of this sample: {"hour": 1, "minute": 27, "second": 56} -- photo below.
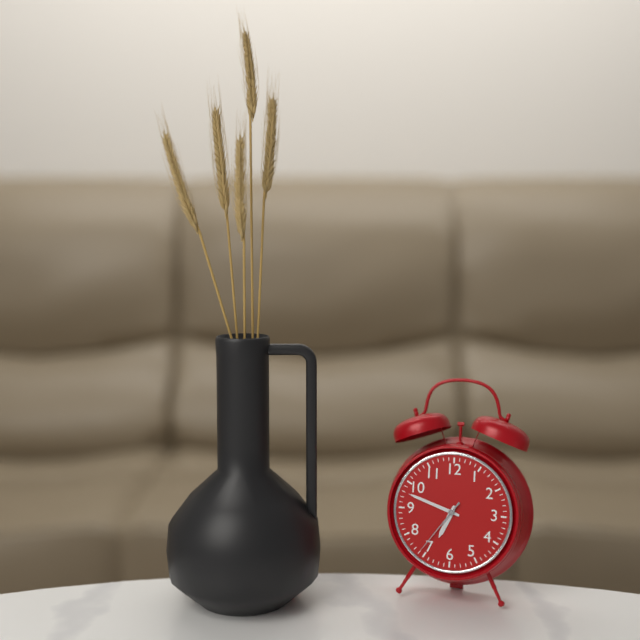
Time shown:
{"hour": 6, "minute": 48, "second": 36}
